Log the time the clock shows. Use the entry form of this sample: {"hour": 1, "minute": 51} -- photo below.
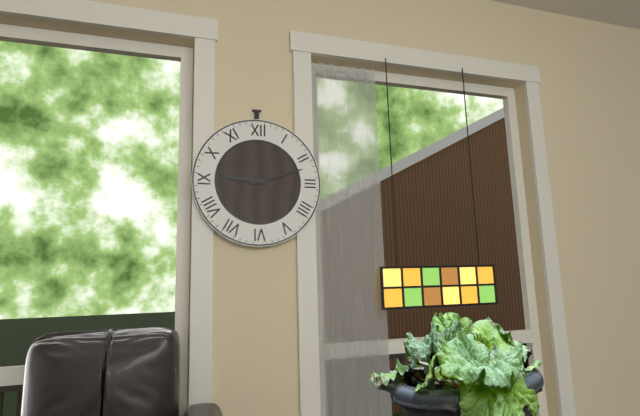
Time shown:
{"hour": 9, "minute": 12}
